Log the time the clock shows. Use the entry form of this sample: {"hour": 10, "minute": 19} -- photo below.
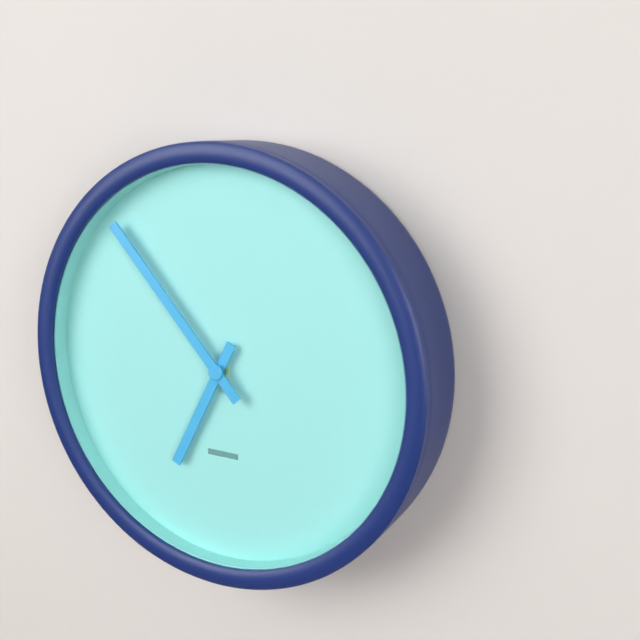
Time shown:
{"hour": 6, "minute": 53}
